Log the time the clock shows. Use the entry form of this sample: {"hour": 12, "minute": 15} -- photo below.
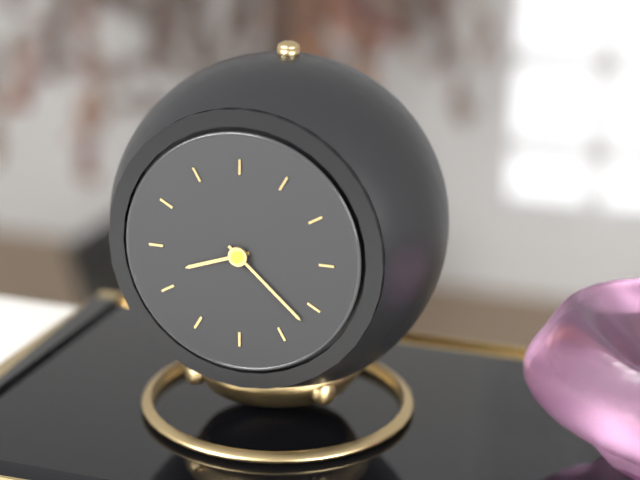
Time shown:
{"hour": 8, "minute": 22}
